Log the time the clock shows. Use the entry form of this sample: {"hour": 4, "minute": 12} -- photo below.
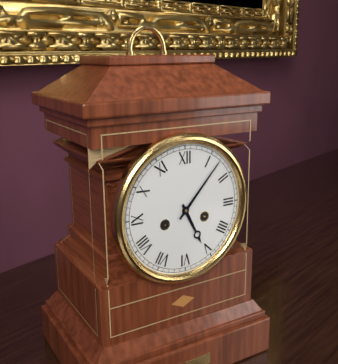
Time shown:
{"hour": 5, "minute": 7}
